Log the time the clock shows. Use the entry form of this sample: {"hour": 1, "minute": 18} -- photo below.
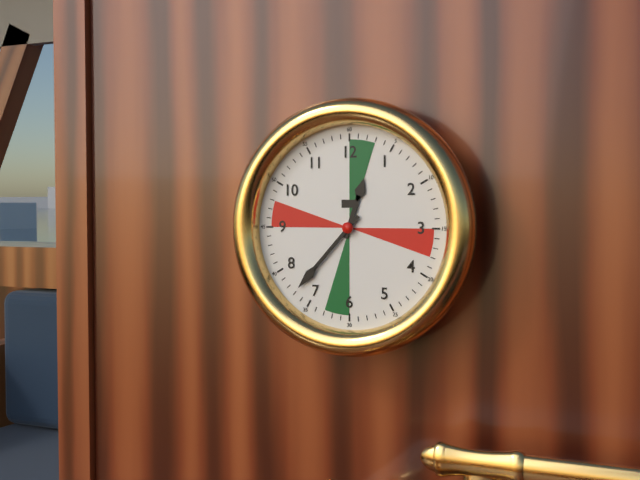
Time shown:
{"hour": 12, "minute": 37}
